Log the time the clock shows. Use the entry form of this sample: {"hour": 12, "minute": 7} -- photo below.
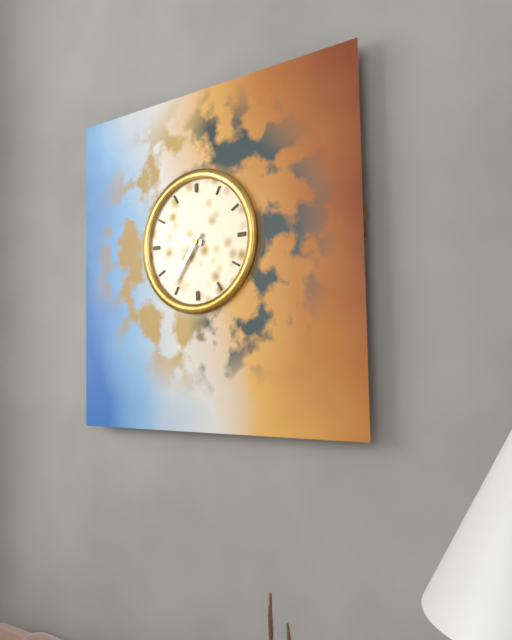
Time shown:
{"hour": 9, "minute": 36}
